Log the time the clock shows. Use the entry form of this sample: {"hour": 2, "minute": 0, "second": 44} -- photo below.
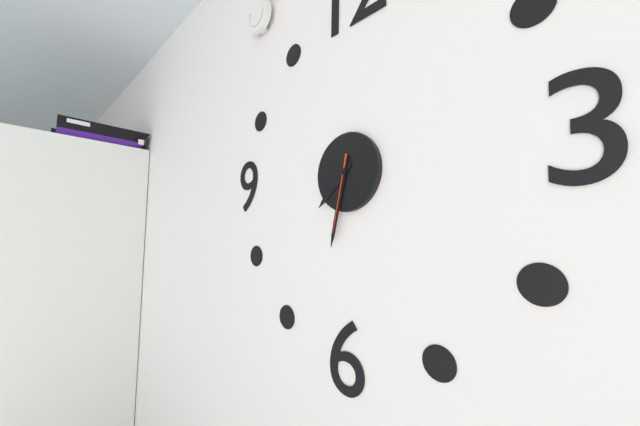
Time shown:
{"hour": 7, "minute": 32, "second": 32}
